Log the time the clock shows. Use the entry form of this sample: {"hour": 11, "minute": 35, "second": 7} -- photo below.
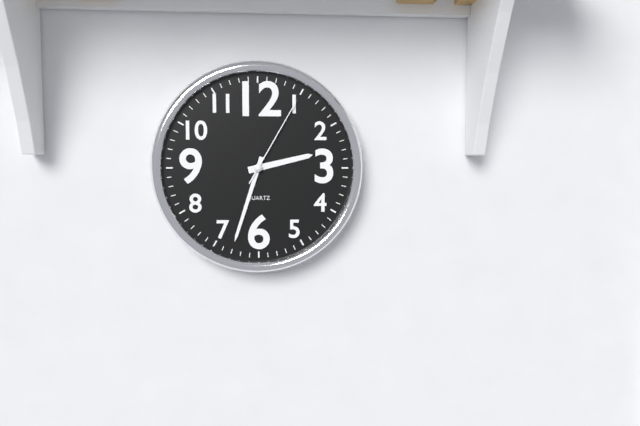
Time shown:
{"hour": 2, "minute": 33, "second": 5}
